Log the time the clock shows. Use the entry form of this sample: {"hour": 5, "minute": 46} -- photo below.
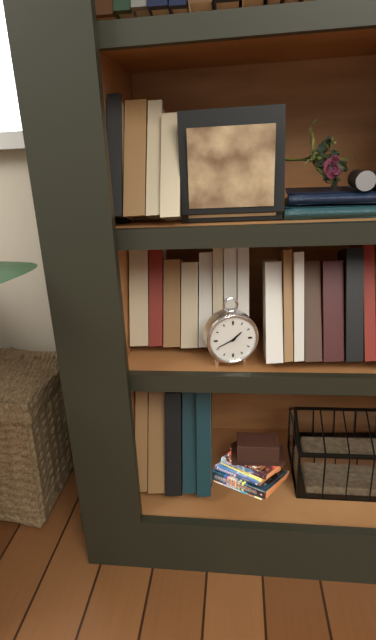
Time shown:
{"hour": 1, "minute": 41}
